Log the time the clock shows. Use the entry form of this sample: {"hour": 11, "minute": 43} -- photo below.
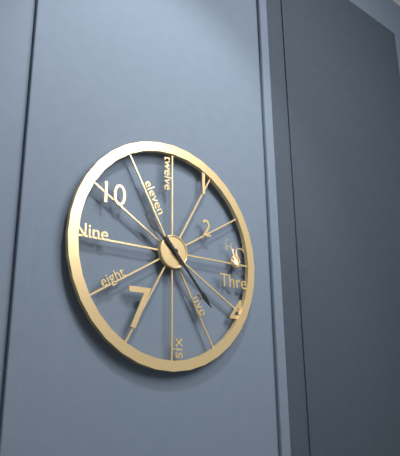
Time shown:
{"hour": 10, "minute": 23}
